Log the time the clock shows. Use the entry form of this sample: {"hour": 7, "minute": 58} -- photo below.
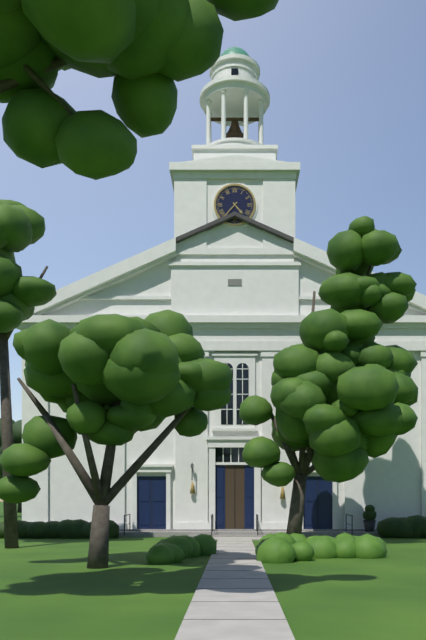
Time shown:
{"hour": 4, "minute": 37}
